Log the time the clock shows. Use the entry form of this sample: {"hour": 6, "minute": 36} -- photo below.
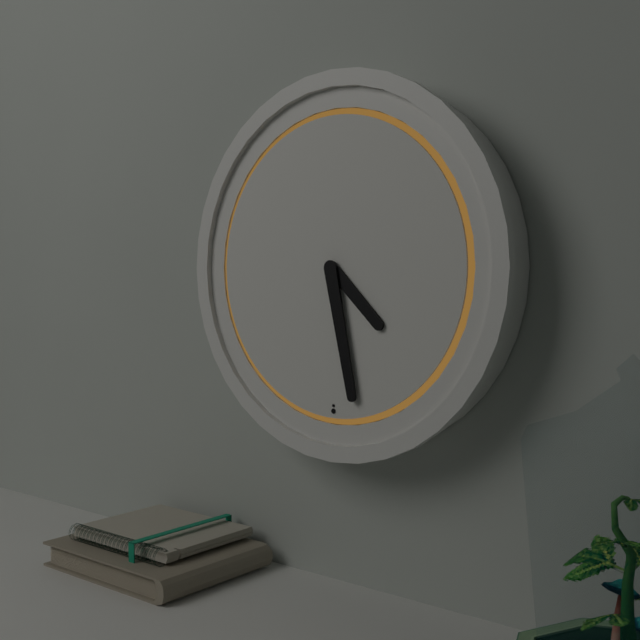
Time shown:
{"hour": 4, "minute": 28}
